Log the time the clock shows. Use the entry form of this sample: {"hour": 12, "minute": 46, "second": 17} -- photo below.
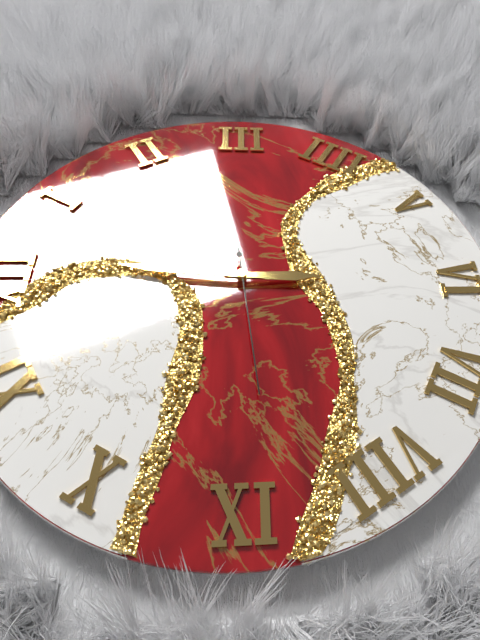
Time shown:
{"hour": 6, "minute": 1, "second": 44}
